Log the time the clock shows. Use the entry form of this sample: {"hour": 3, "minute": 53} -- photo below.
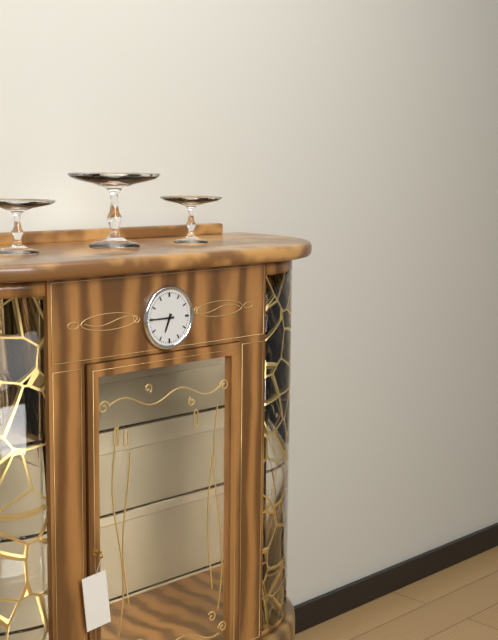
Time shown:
{"hour": 6, "minute": 45}
